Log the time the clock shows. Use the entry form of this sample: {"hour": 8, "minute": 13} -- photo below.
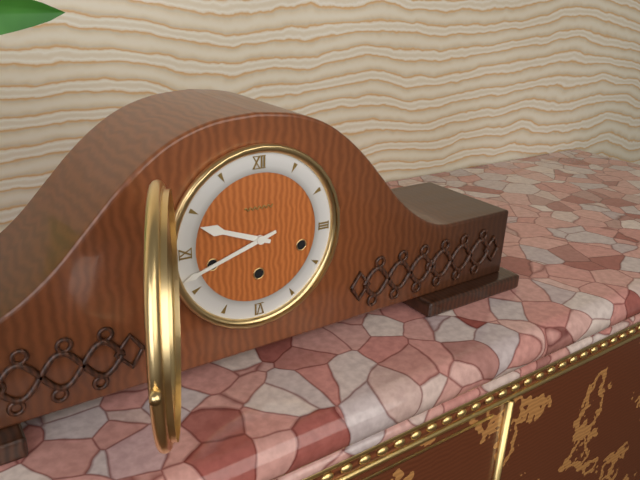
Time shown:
{"hour": 9, "minute": 42}
